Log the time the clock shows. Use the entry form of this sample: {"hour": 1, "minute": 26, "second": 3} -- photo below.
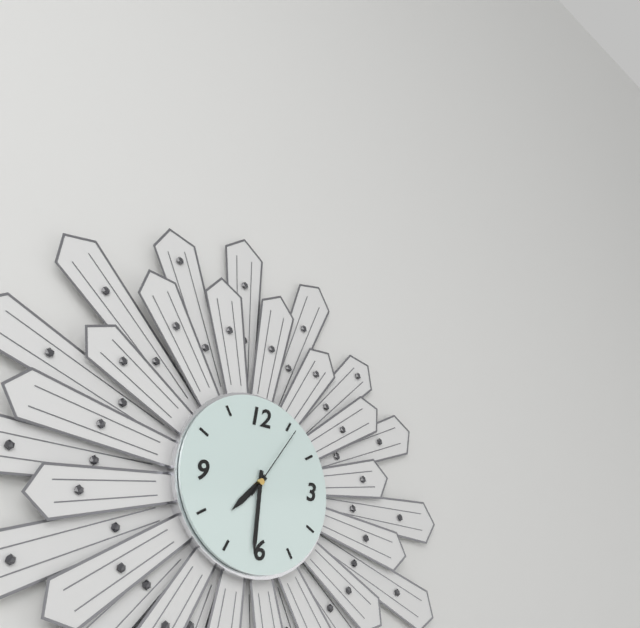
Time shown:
{"hour": 7, "minute": 31, "second": 6}
